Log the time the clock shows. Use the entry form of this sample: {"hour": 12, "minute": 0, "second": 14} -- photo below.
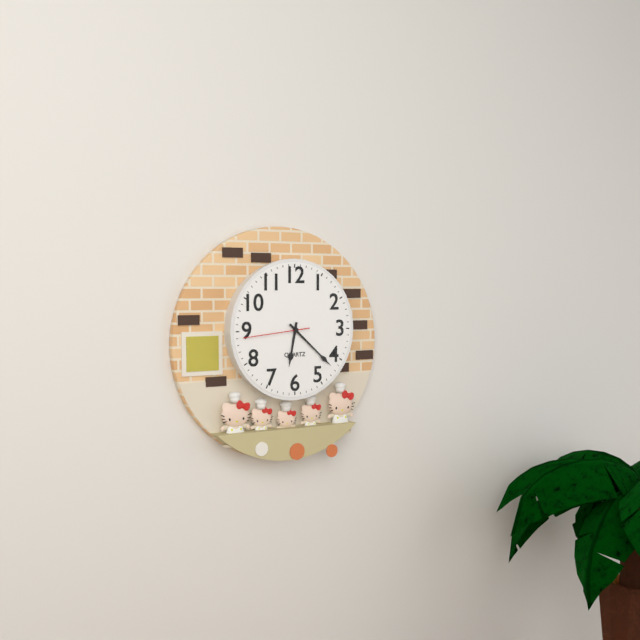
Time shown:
{"hour": 6, "minute": 22, "second": 44}
